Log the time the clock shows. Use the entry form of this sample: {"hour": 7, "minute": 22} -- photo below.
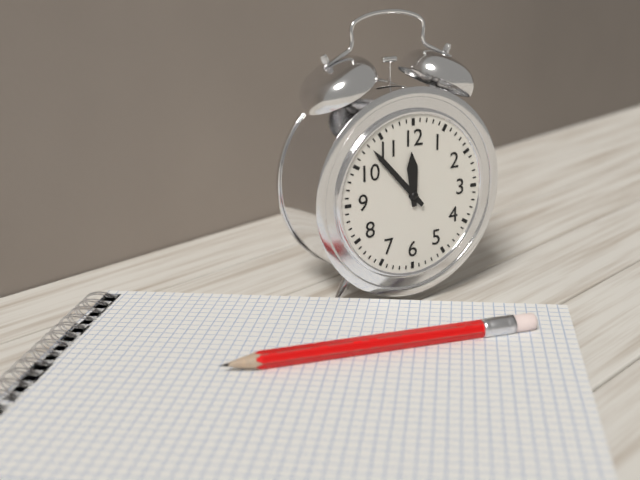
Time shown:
{"hour": 11, "minute": 53}
